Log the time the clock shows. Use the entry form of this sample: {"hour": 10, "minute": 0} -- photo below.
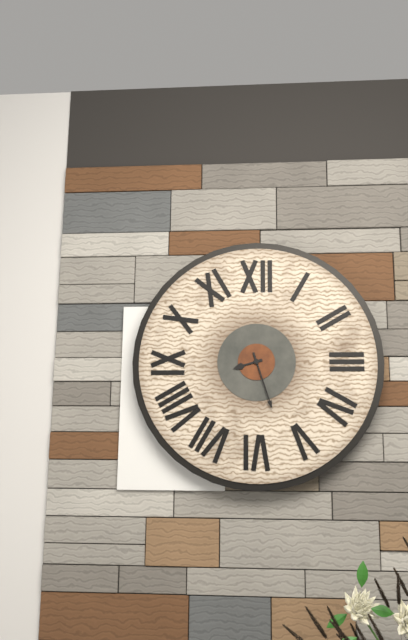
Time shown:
{"hour": 8, "minute": 27}
